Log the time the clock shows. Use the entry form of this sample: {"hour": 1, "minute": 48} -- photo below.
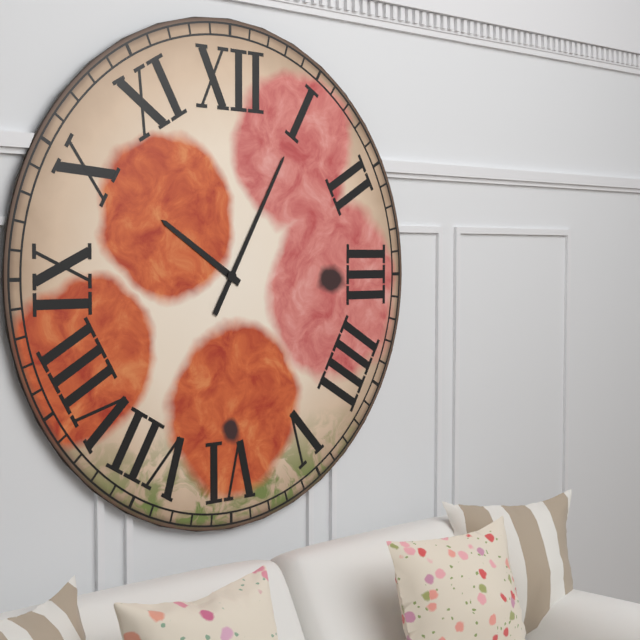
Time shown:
{"hour": 10, "minute": 5}
